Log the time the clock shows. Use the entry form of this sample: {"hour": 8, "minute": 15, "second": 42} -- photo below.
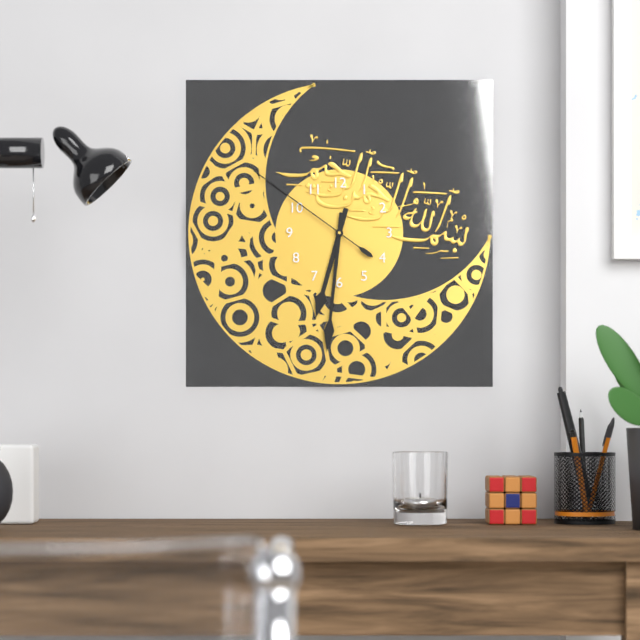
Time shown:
{"hour": 6, "minute": 31, "second": 51}
